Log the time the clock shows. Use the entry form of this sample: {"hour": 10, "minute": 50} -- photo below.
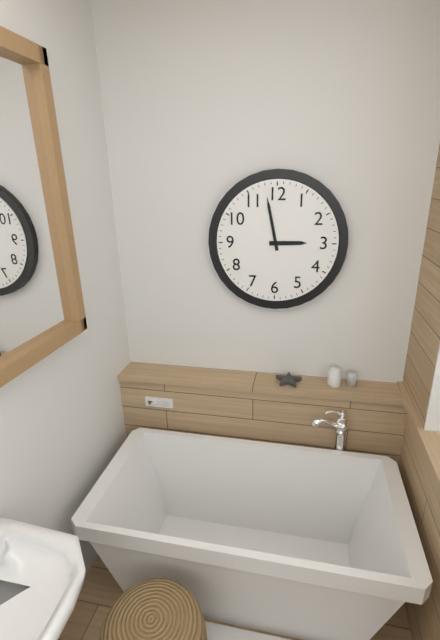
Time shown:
{"hour": 2, "minute": 58}
